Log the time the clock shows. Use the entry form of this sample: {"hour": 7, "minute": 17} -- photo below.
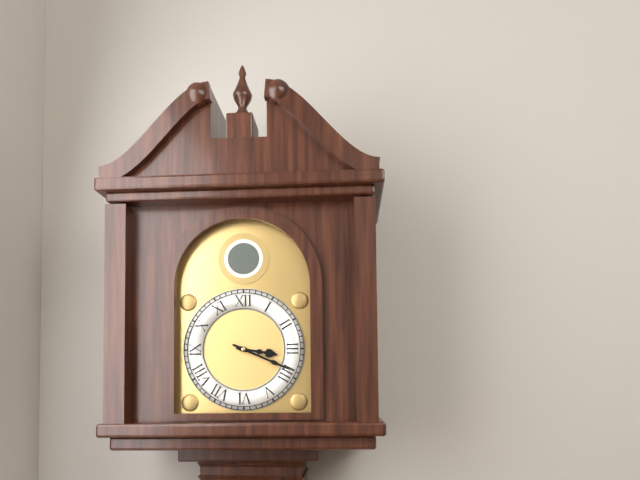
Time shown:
{"hour": 3, "minute": 19}
